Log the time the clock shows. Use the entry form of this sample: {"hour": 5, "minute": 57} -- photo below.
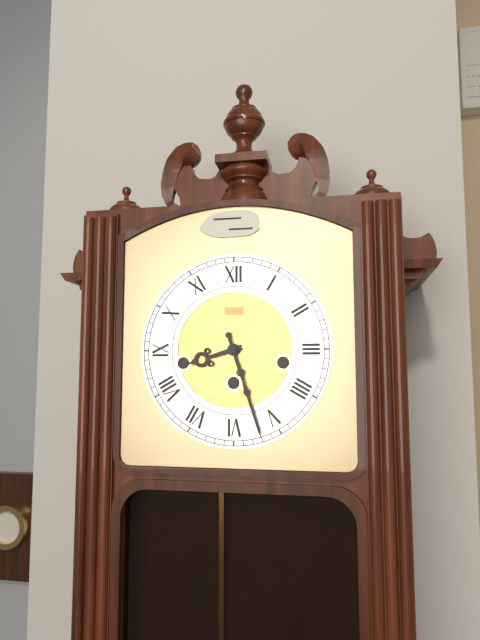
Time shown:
{"hour": 8, "minute": 27}
